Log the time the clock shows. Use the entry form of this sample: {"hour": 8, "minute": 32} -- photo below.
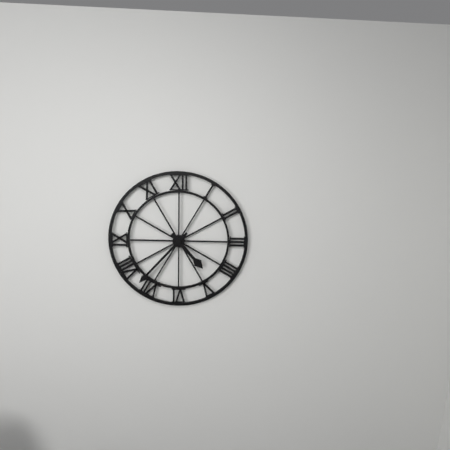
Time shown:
{"hour": 4, "minute": 37}
